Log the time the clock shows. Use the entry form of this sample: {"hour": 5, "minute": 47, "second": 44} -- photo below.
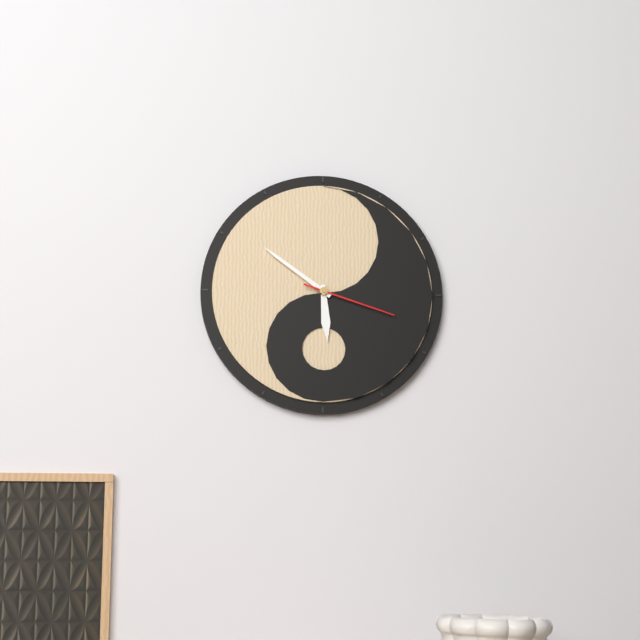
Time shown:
{"hour": 5, "minute": 51, "second": 18}
